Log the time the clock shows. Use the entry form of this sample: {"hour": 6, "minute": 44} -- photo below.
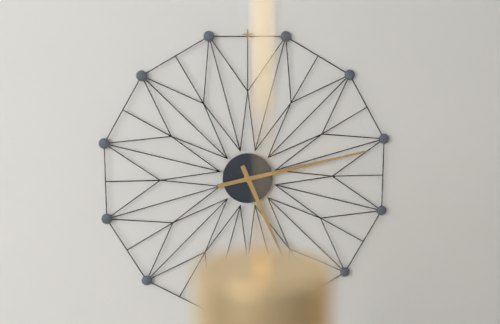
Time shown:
{"hour": 5, "minute": 13}
